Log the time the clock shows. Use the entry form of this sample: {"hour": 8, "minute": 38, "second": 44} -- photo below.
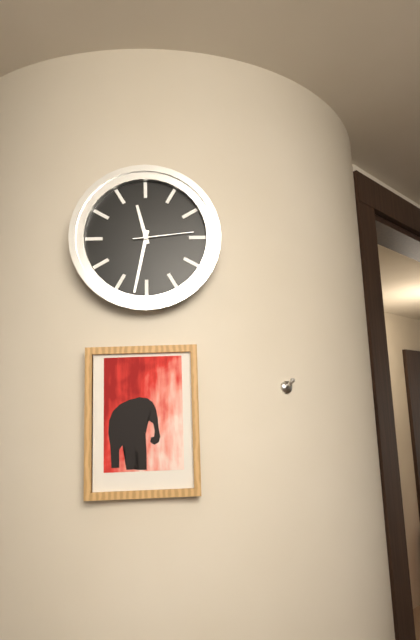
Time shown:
{"hour": 11, "minute": 32, "second": 14}
